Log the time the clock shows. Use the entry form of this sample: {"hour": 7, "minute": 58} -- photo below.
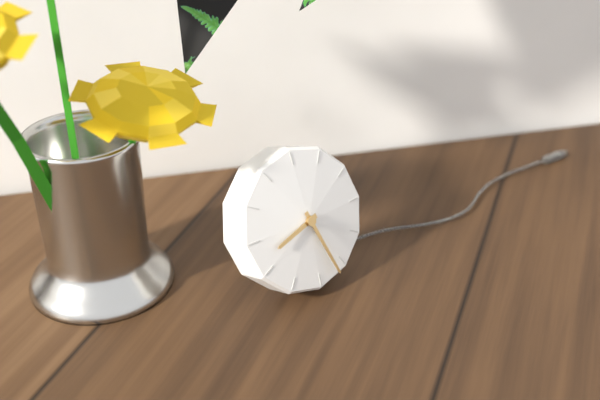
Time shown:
{"hour": 8, "minute": 27}
